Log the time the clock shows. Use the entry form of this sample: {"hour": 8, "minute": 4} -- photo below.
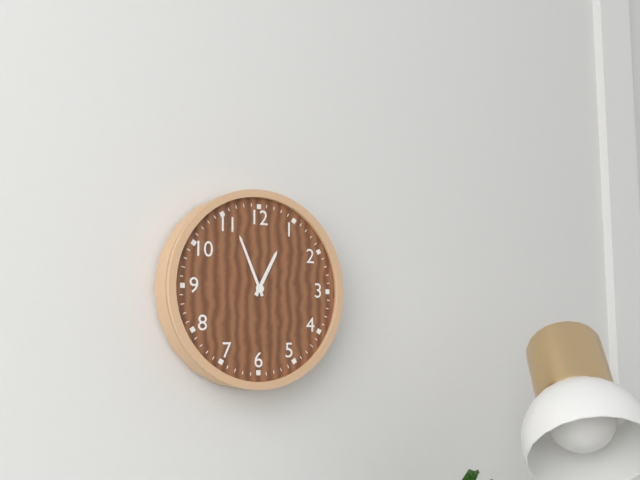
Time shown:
{"hour": 12, "minute": 56}
